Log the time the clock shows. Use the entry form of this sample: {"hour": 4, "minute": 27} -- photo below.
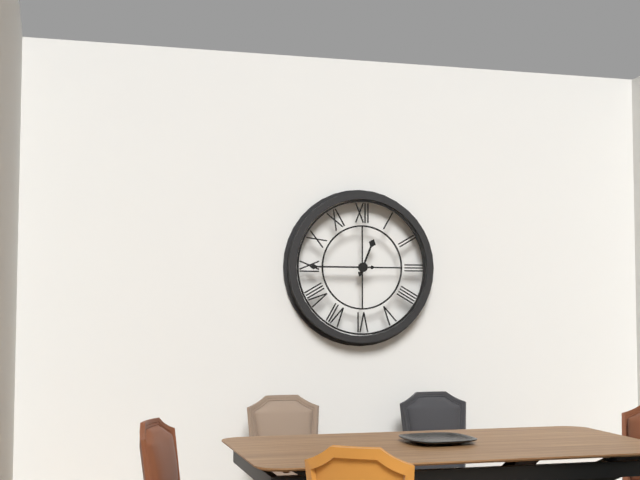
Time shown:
{"hour": 12, "minute": 45}
